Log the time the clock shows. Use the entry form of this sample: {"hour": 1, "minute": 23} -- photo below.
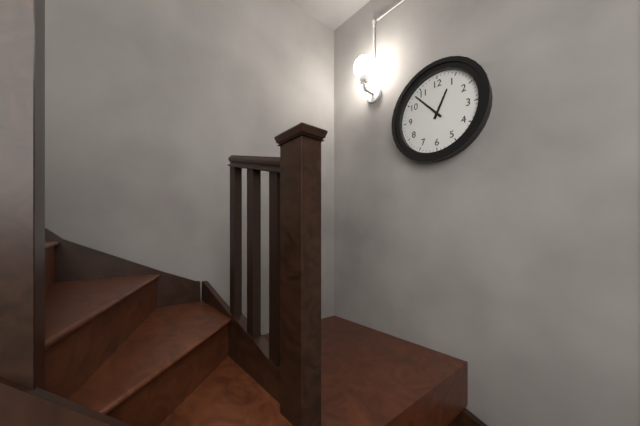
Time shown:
{"hour": 12, "minute": 53}
